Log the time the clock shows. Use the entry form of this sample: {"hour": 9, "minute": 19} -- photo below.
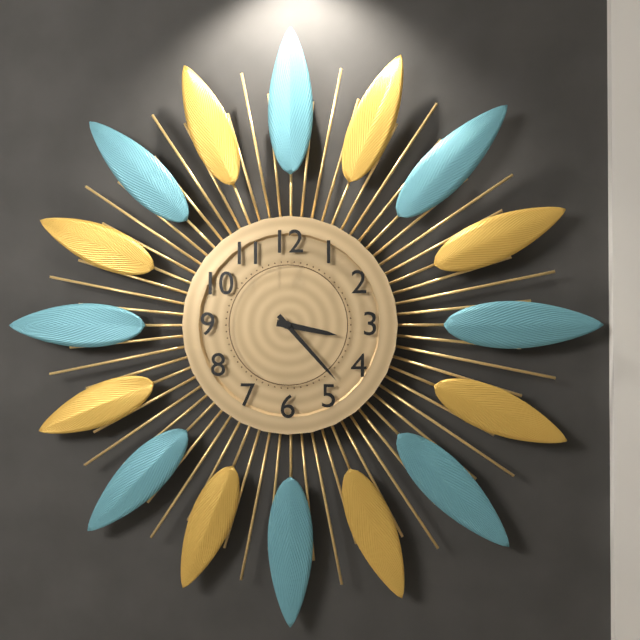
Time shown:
{"hour": 3, "minute": 23}
